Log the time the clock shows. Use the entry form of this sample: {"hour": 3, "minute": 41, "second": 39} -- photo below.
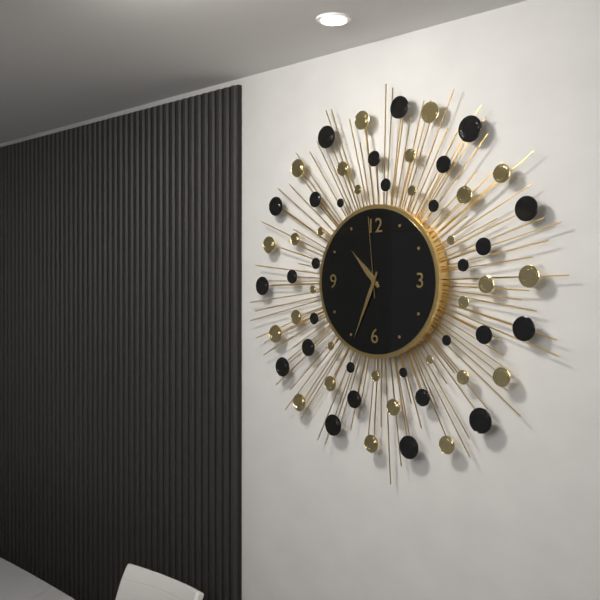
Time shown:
{"hour": 10, "minute": 34, "second": 59}
